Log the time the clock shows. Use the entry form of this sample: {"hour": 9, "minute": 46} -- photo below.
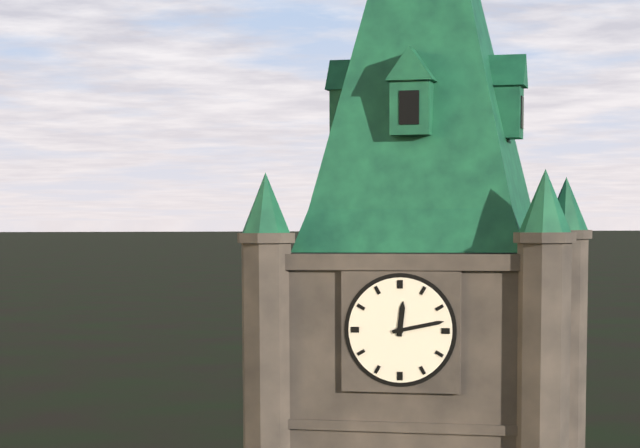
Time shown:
{"hour": 12, "minute": 13}
